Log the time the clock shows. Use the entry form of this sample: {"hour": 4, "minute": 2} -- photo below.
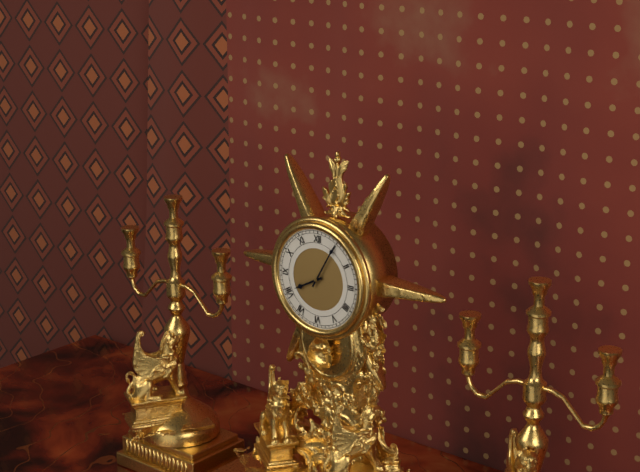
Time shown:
{"hour": 8, "minute": 5}
